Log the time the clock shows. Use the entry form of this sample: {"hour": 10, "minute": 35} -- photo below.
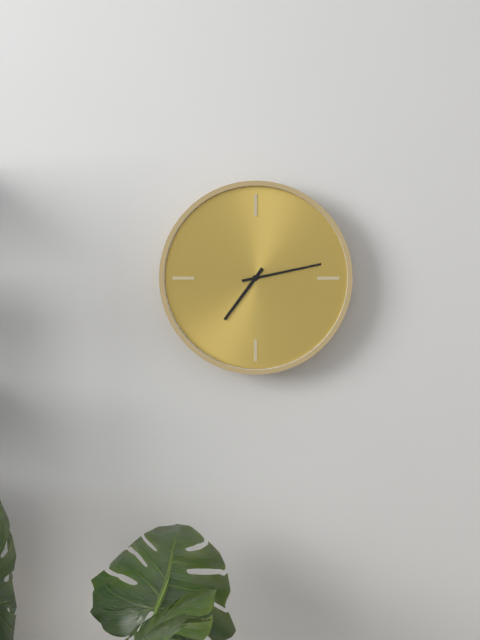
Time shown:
{"hour": 7, "minute": 13}
